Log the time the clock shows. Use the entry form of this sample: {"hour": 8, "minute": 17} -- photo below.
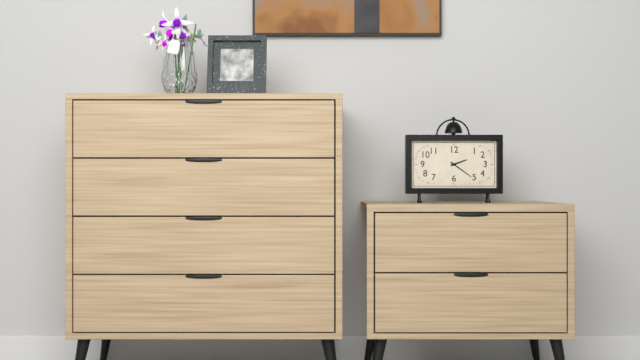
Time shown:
{"hour": 2, "minute": 21}
